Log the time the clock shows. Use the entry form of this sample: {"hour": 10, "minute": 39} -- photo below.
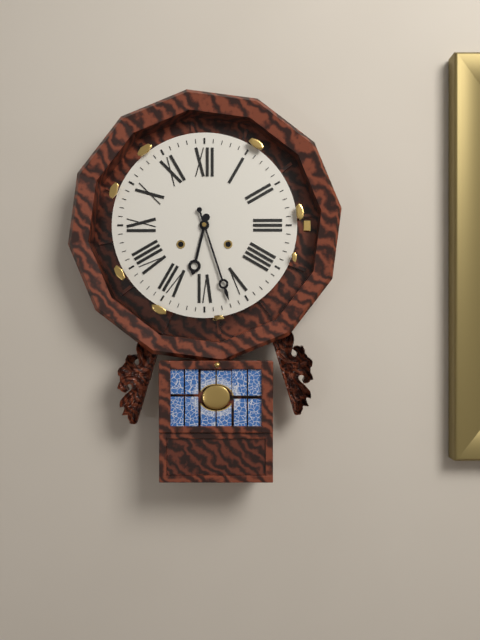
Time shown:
{"hour": 6, "minute": 27}
